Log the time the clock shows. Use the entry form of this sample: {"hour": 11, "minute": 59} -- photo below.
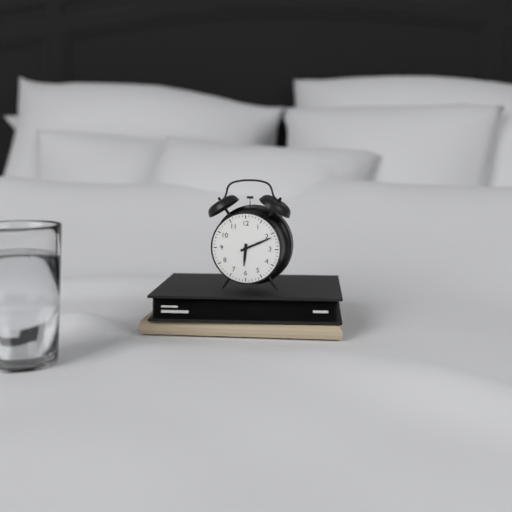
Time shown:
{"hour": 6, "minute": 11}
